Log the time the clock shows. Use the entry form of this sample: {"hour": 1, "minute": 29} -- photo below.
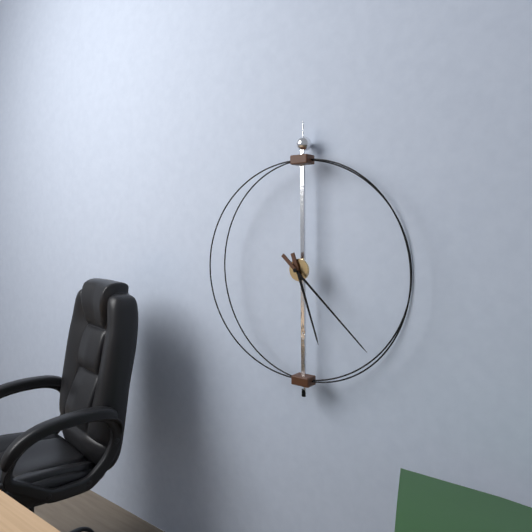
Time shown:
{"hour": 5, "minute": 22}
